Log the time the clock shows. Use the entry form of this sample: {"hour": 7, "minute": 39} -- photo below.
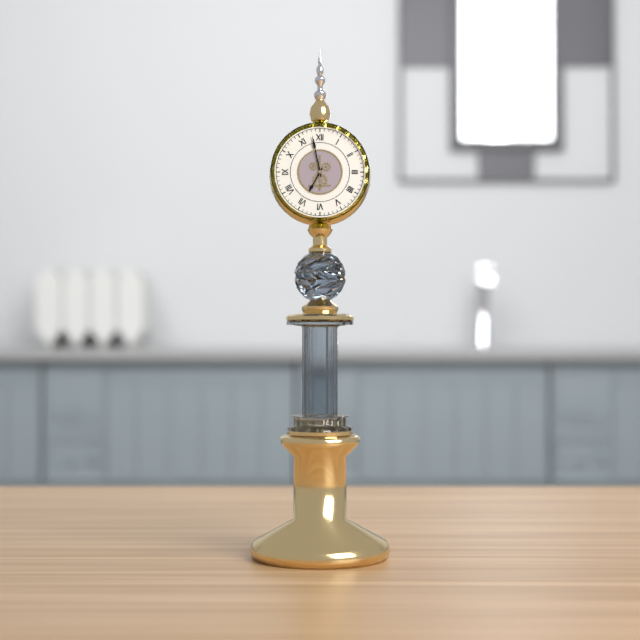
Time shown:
{"hour": 6, "minute": 58}
